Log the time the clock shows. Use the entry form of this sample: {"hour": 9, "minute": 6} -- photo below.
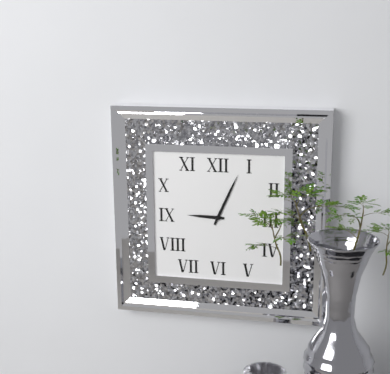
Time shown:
{"hour": 9, "minute": 4}
